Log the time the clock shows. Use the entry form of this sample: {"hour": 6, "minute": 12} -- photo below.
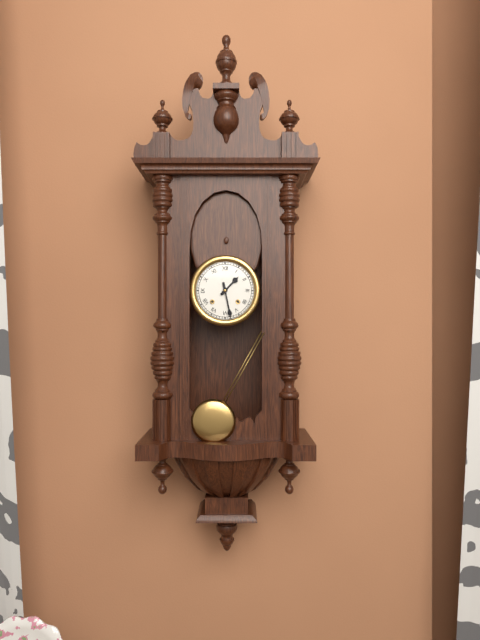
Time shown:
{"hour": 1, "minute": 28}
